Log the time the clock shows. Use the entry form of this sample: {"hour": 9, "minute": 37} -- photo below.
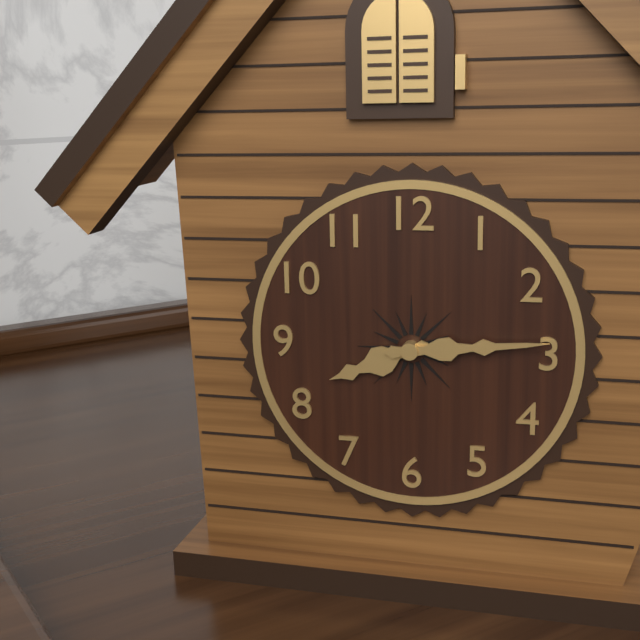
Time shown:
{"hour": 8, "minute": 14}
